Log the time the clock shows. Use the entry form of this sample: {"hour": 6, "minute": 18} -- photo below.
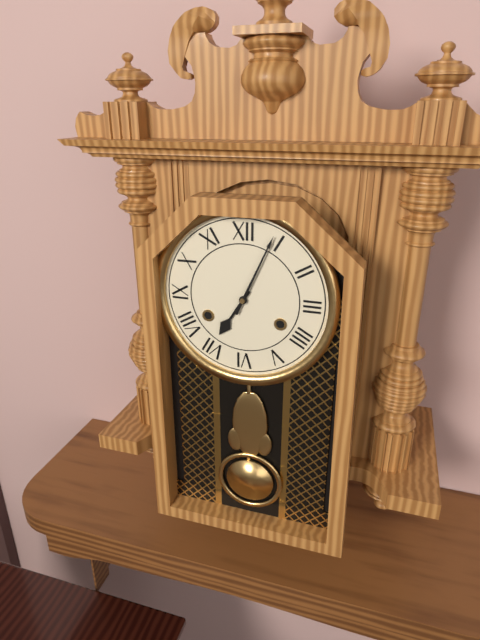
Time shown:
{"hour": 7, "minute": 4}
